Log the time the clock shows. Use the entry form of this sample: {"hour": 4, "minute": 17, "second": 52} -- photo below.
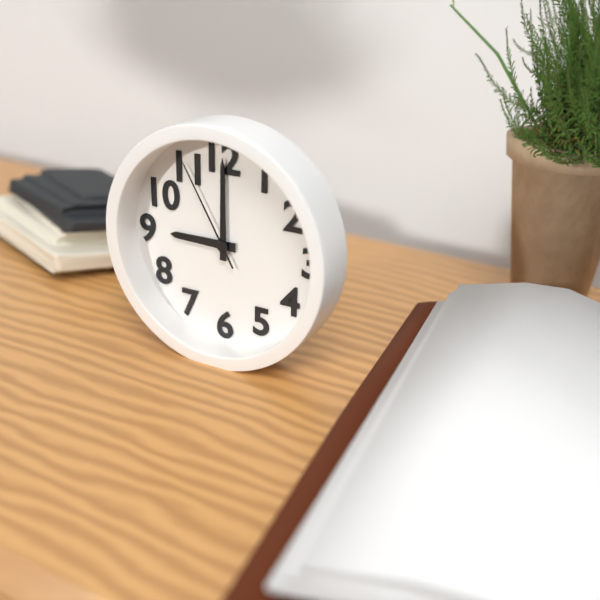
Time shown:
{"hour": 9, "minute": 0, "second": 55}
